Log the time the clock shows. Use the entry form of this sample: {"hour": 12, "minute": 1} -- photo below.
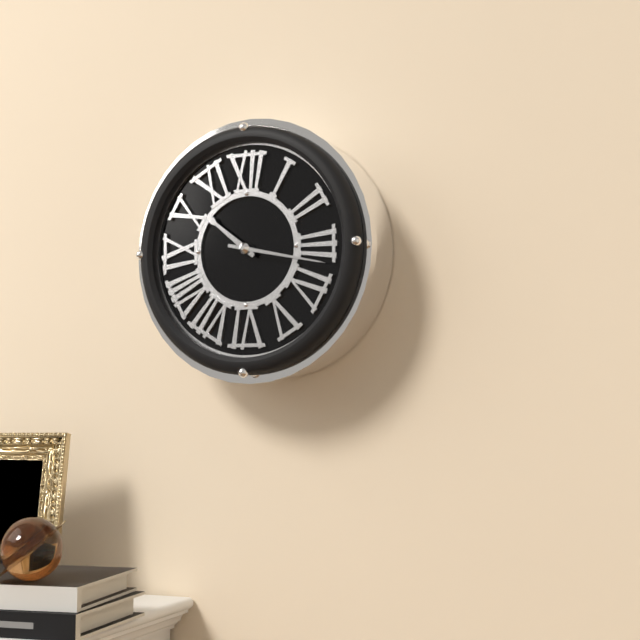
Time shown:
{"hour": 10, "minute": 17}
